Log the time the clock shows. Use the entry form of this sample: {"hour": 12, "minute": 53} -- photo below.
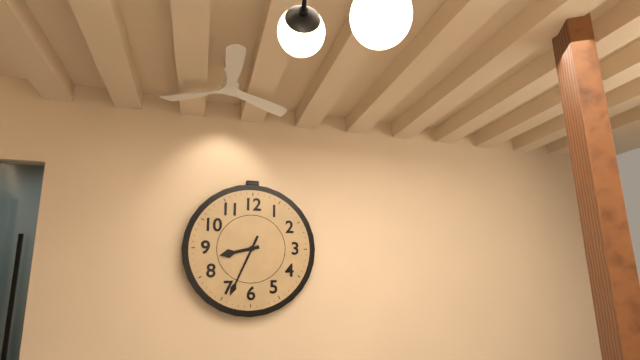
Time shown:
{"hour": 8, "minute": 34}
